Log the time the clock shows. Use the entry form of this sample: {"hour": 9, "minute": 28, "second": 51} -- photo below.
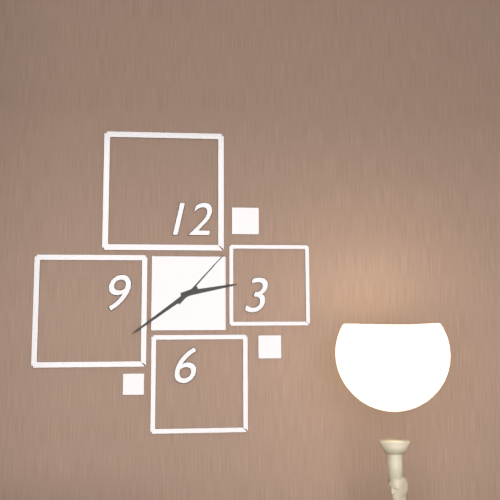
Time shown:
{"hour": 2, "minute": 39, "second": 7}
